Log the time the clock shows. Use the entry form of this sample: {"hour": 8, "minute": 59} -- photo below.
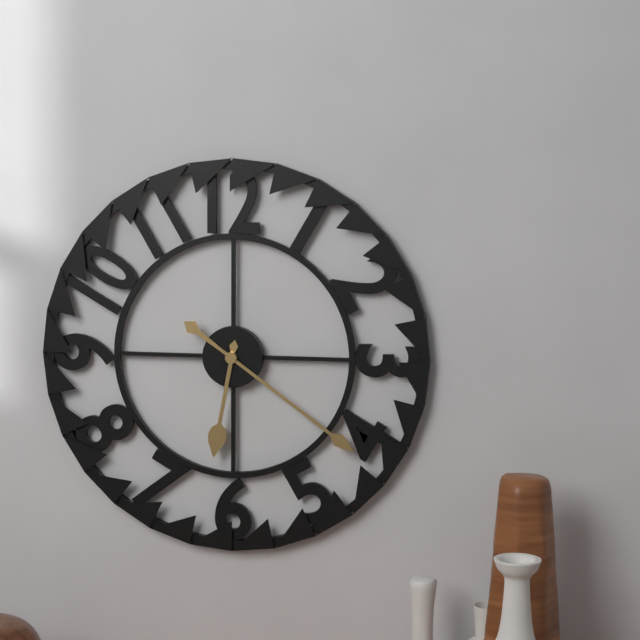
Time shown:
{"hour": 6, "minute": 21}
